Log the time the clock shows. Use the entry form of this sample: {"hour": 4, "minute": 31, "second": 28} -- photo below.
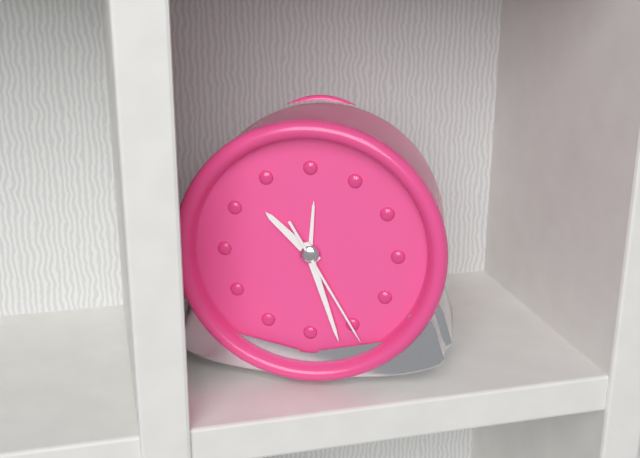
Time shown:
{"hour": 10, "minute": 27, "second": 25}
